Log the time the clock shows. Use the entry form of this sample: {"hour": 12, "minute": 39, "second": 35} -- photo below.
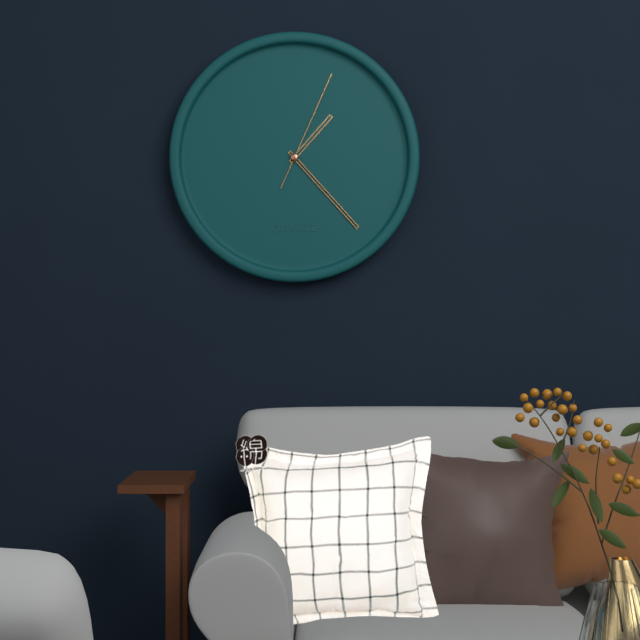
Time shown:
{"hour": 1, "minute": 23, "second": 4}
